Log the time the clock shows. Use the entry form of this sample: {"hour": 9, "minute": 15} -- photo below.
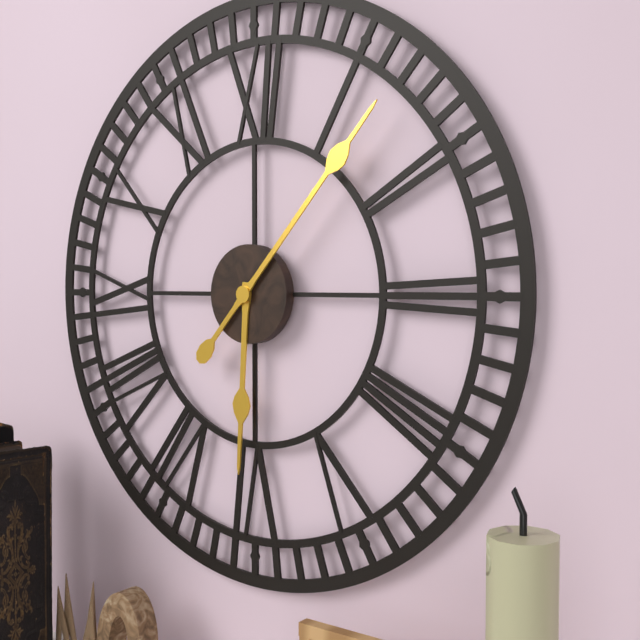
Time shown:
{"hour": 6, "minute": 7}
